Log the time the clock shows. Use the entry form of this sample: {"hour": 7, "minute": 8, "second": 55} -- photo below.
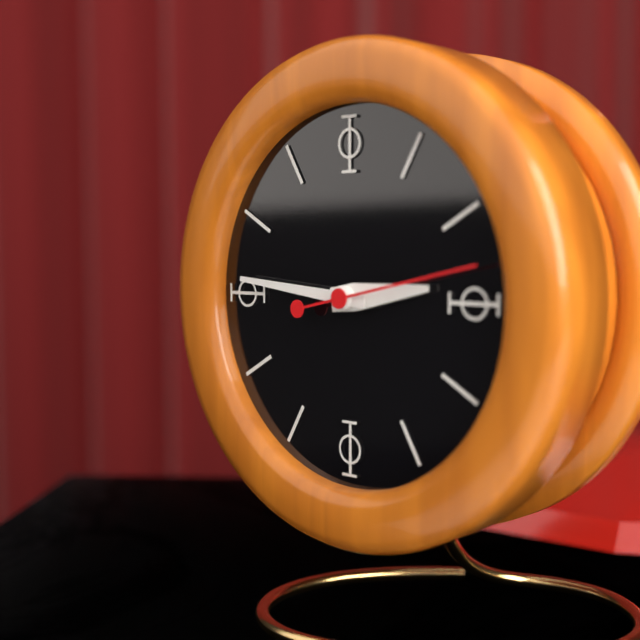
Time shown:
{"hour": 2, "minute": 46, "second": 13}
